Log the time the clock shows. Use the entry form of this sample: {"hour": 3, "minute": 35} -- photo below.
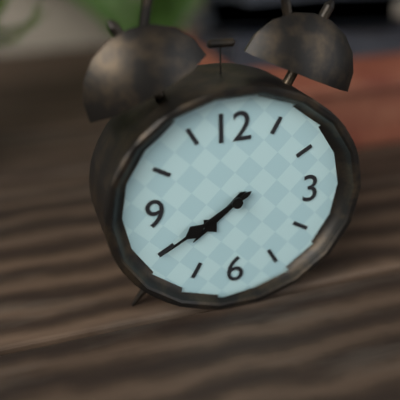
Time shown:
{"hour": 7, "minute": 40}
